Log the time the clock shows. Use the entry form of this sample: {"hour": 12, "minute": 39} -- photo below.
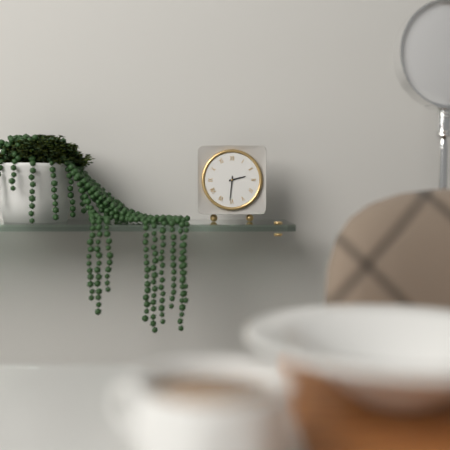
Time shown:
{"hour": 2, "minute": 31}
